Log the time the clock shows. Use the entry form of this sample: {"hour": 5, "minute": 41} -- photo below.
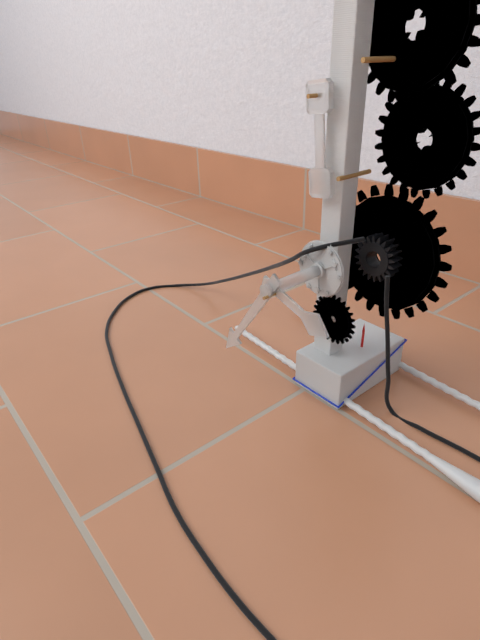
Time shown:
{"hour": 3, "minute": 36}
